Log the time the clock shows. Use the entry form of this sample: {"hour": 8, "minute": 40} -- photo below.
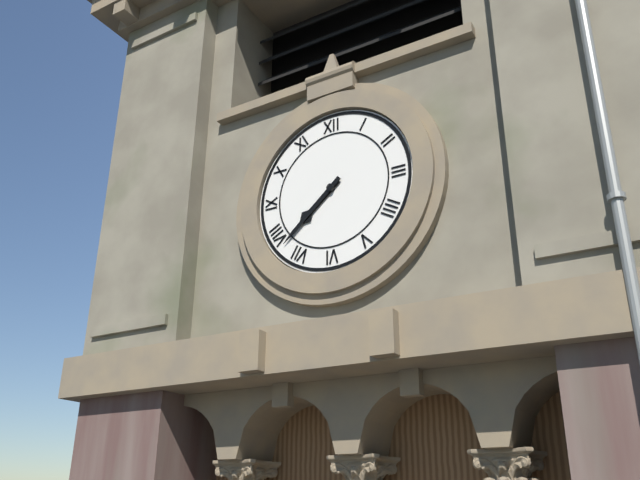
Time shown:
{"hour": 7, "minute": 38}
